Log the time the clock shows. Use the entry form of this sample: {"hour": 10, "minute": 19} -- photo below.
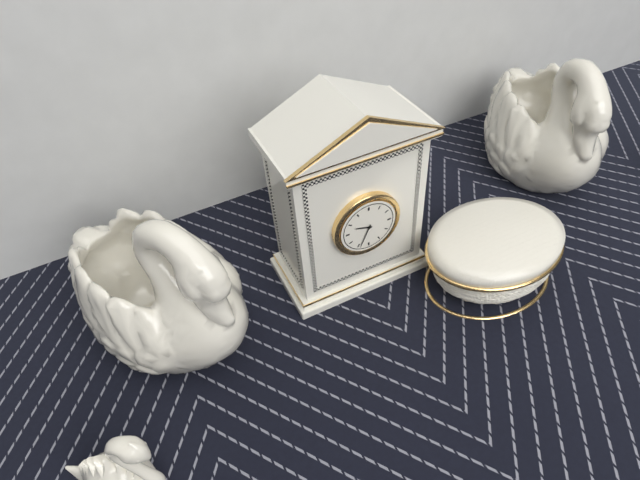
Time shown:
{"hour": 9, "minute": 34}
